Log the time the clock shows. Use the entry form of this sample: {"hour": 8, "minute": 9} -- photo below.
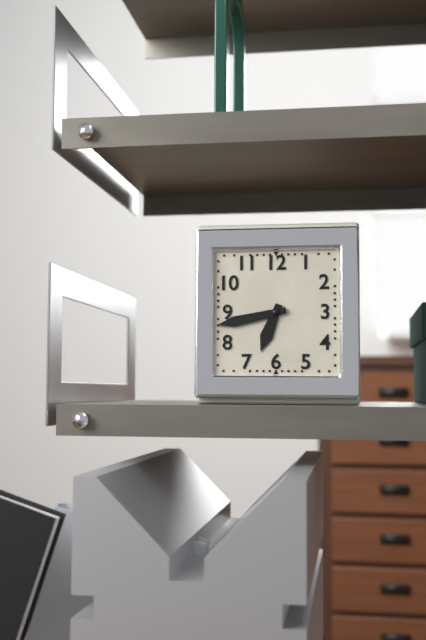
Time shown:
{"hour": 6, "minute": 43}
